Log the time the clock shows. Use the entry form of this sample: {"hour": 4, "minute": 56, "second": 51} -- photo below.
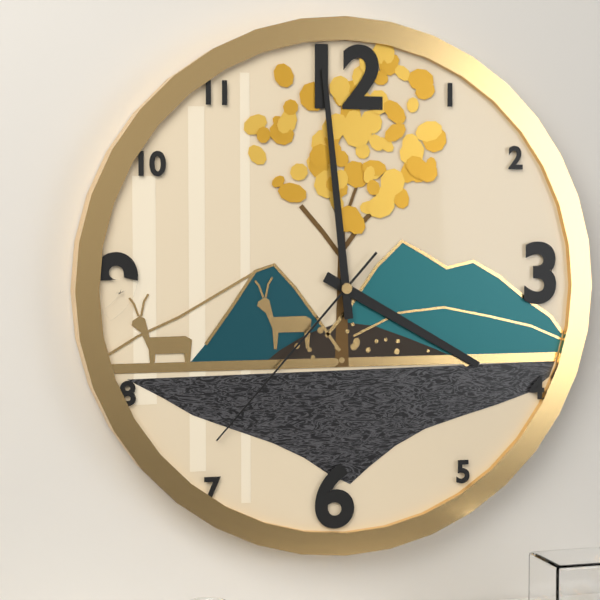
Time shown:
{"hour": 3, "minute": 59, "second": 37}
